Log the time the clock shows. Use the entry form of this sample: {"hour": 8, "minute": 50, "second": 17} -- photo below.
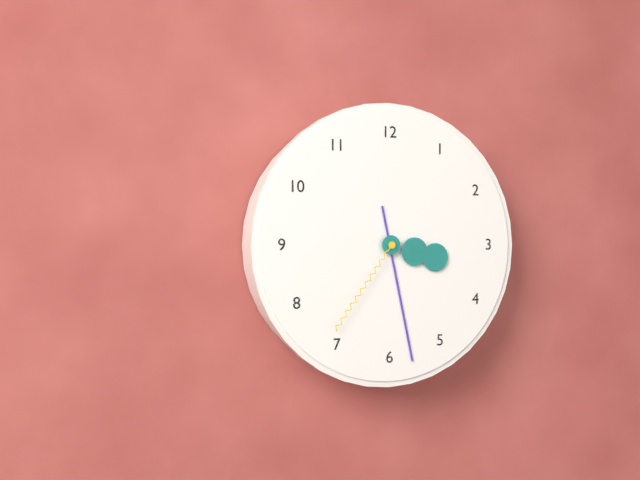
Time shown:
{"hour": 3, "minute": 28, "second": 36}
